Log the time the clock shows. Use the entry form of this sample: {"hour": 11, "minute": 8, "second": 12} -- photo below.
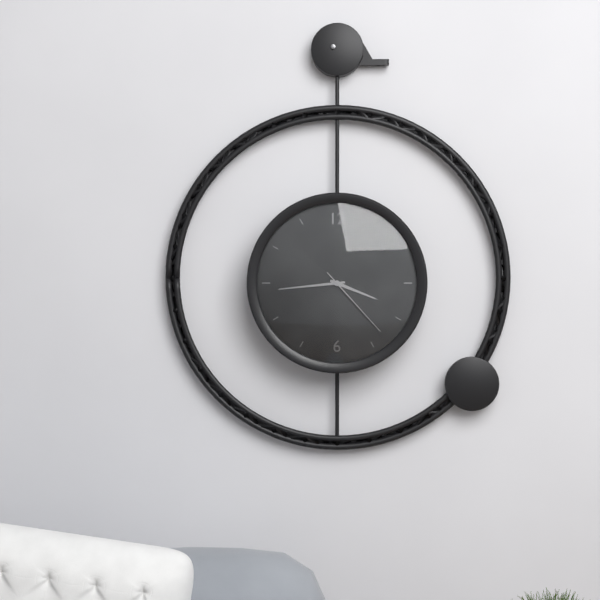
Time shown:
{"hour": 3, "minute": 44, "second": 23}
